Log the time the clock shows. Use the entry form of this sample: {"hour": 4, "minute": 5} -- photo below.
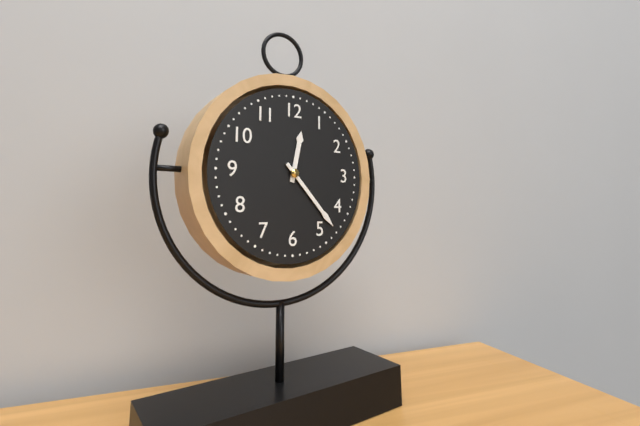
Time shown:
{"hour": 12, "minute": 23}
